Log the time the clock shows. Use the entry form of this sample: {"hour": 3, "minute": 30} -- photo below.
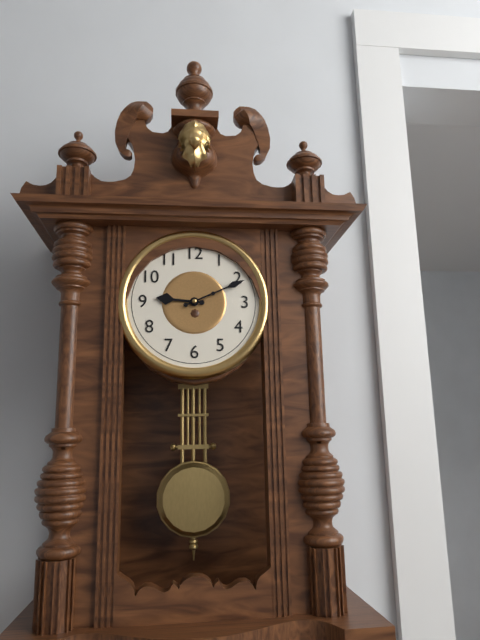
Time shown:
{"hour": 9, "minute": 11}
